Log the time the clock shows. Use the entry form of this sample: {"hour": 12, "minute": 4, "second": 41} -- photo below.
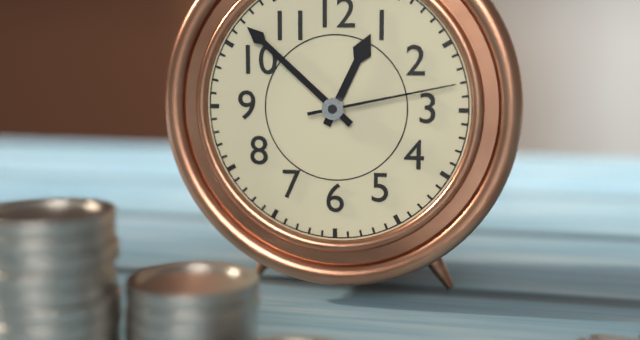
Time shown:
{"hour": 12, "minute": 52, "second": 13}
